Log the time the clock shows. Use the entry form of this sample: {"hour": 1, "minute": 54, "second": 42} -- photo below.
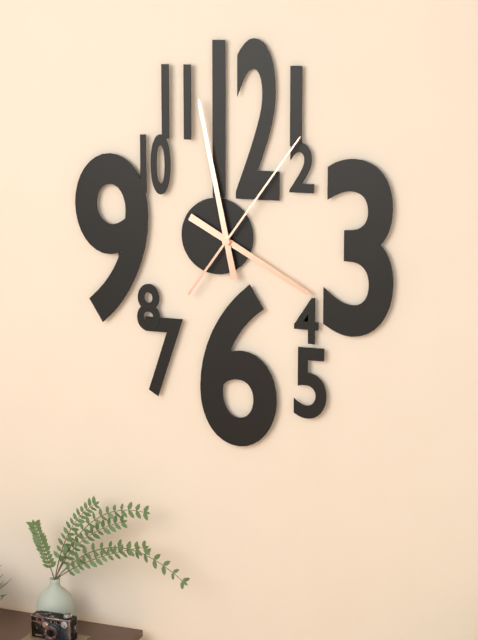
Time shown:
{"hour": 3, "minute": 58, "second": 6}
